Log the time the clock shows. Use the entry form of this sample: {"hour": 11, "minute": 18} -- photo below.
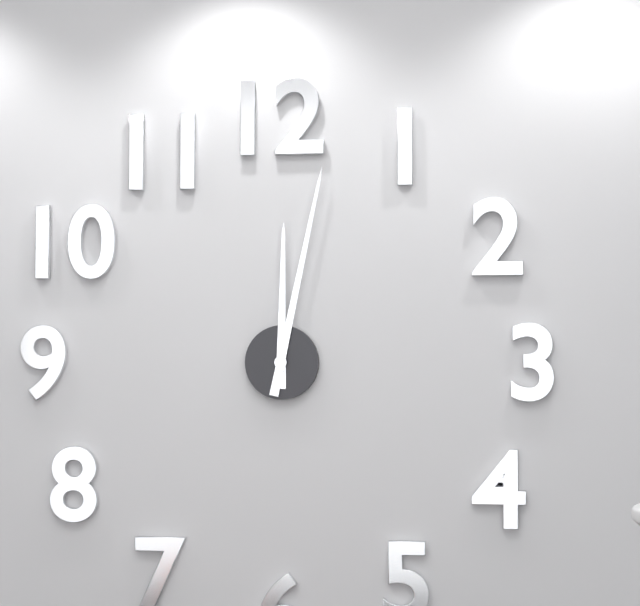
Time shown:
{"hour": 12, "minute": 2}
